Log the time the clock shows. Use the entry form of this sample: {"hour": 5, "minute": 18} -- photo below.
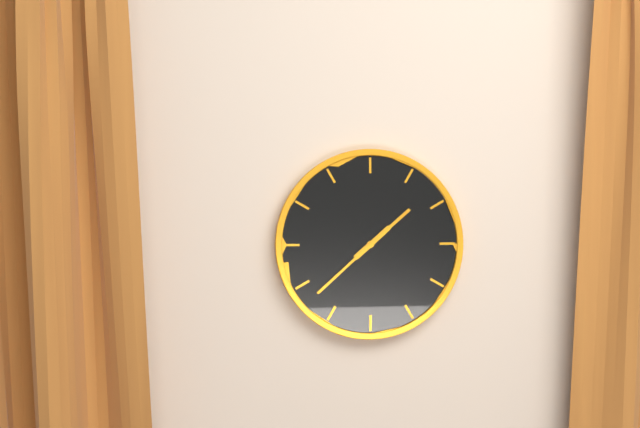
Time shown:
{"hour": 1, "minute": 38}
